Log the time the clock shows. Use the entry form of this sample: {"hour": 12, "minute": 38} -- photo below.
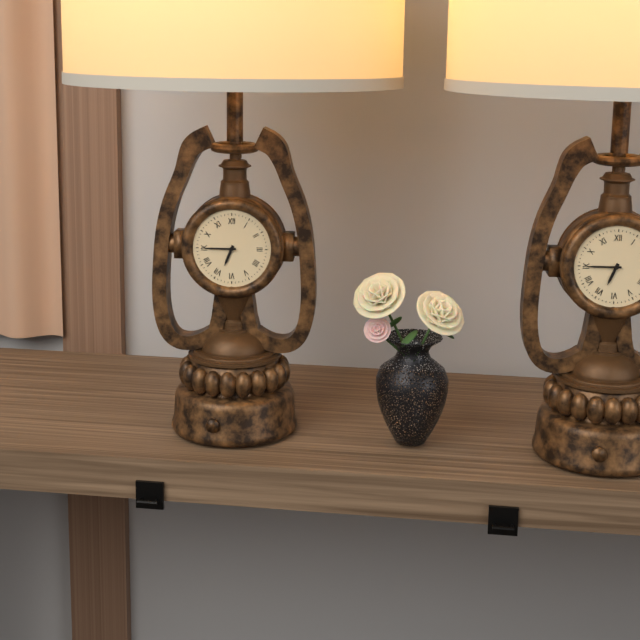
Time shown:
{"hour": 6, "minute": 45}
